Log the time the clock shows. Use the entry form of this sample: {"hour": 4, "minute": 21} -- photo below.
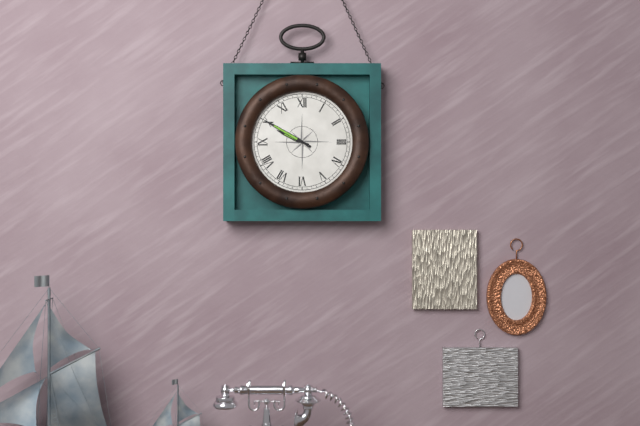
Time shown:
{"hour": 9, "minute": 50}
